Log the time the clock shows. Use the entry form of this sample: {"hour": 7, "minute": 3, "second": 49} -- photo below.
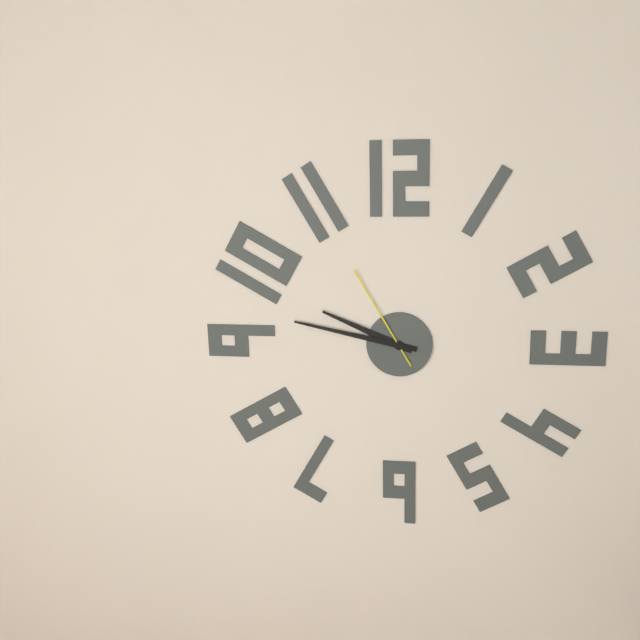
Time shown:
{"hour": 9, "minute": 47, "second": 55}
